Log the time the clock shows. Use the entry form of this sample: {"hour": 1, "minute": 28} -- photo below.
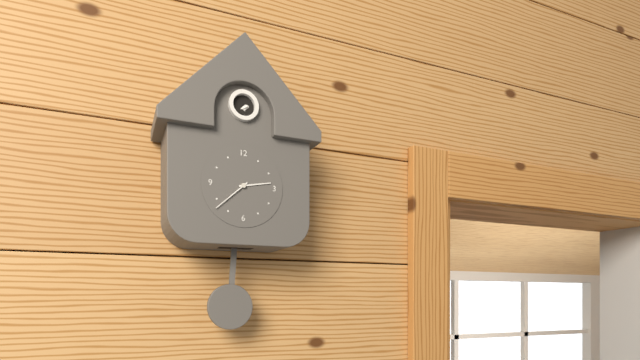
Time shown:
{"hour": 2, "minute": 38}
